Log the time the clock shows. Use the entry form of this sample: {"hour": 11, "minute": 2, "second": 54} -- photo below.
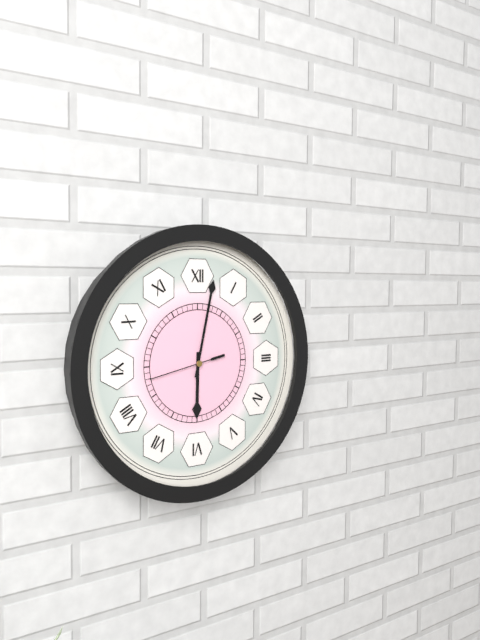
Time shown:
{"hour": 6, "minute": 2, "second": 43}
